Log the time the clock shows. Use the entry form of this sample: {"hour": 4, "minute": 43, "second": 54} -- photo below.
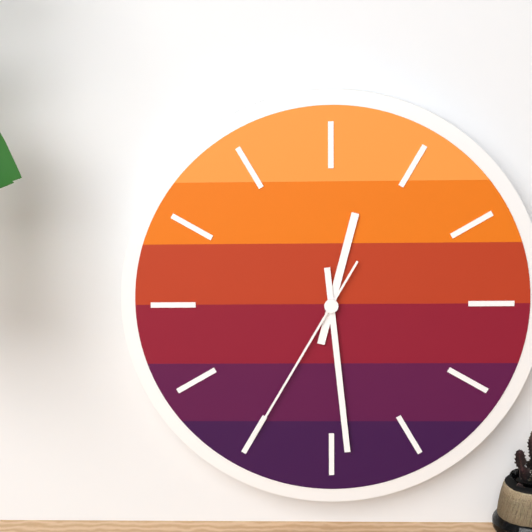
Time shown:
{"hour": 12, "minute": 29, "second": 35}
